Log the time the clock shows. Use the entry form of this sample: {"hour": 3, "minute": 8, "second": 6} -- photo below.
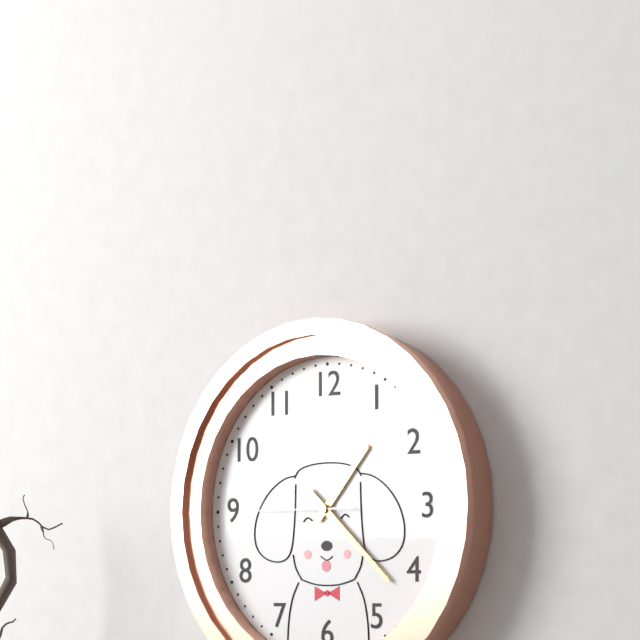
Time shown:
{"hour": 1, "minute": 22, "second": 45}
